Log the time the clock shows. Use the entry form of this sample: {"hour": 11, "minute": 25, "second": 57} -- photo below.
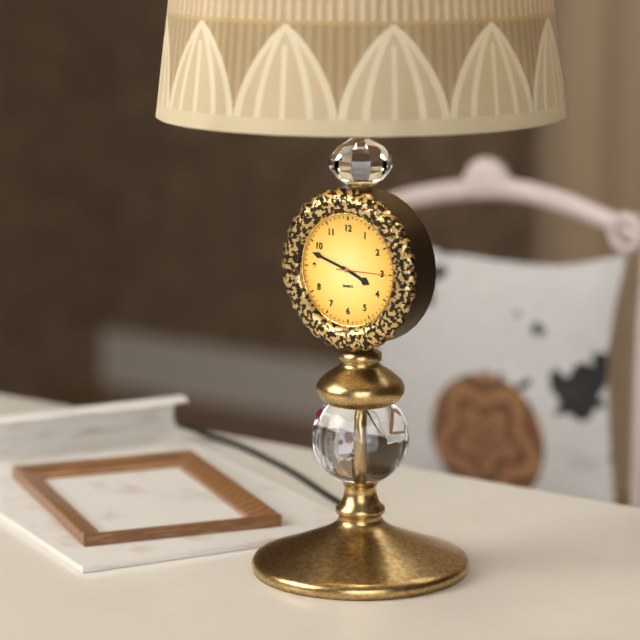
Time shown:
{"hour": 3, "minute": 48, "second": 15}
